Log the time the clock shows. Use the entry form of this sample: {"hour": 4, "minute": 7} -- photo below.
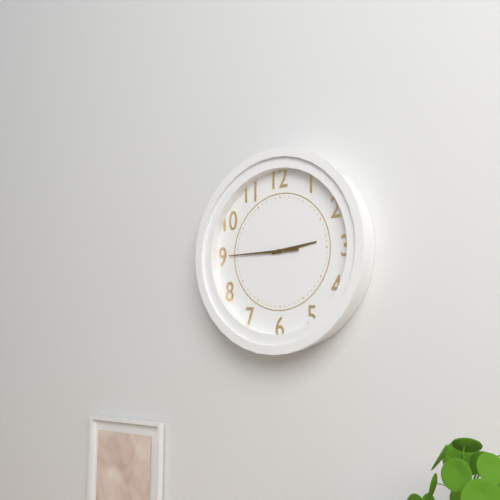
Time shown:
{"hour": 2, "minute": 45}
